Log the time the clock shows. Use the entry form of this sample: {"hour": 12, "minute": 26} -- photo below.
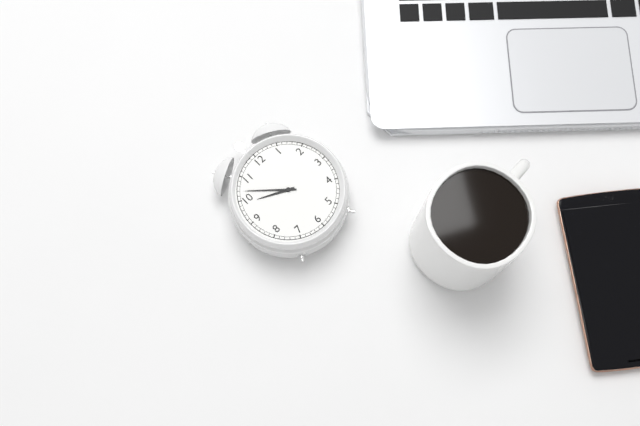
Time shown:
{"hour": 9, "minute": 52}
